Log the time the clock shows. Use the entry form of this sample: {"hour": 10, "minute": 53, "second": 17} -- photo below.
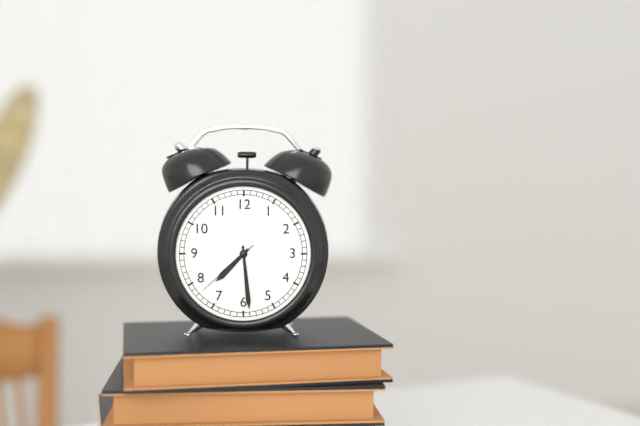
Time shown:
{"hour": 7, "minute": 29, "second": 38}
